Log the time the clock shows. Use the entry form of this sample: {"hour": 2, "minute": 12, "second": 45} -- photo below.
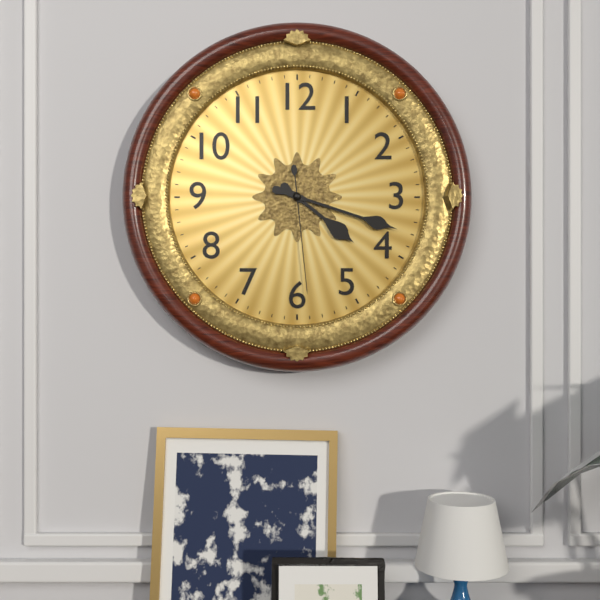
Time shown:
{"hour": 4, "minute": 18, "second": 29}
